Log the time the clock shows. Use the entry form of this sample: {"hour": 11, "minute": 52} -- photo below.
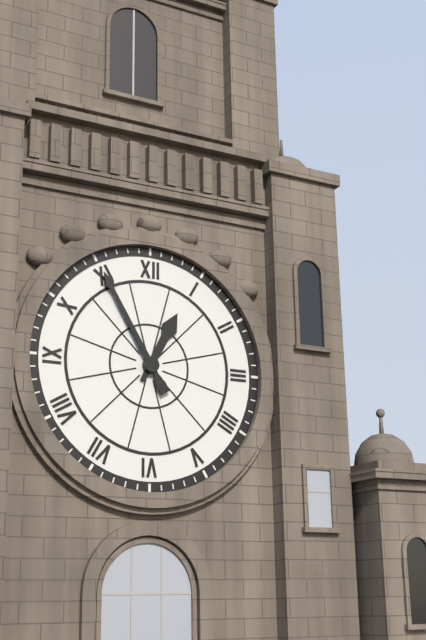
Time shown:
{"hour": 12, "minute": 55}
